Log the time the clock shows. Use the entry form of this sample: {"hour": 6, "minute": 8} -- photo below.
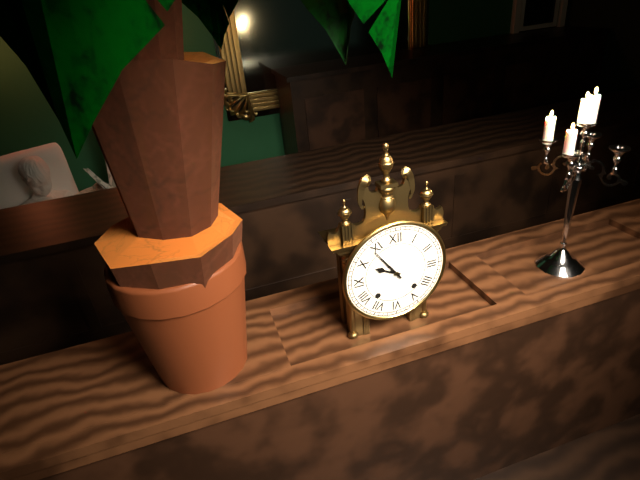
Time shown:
{"hour": 9, "minute": 54}
